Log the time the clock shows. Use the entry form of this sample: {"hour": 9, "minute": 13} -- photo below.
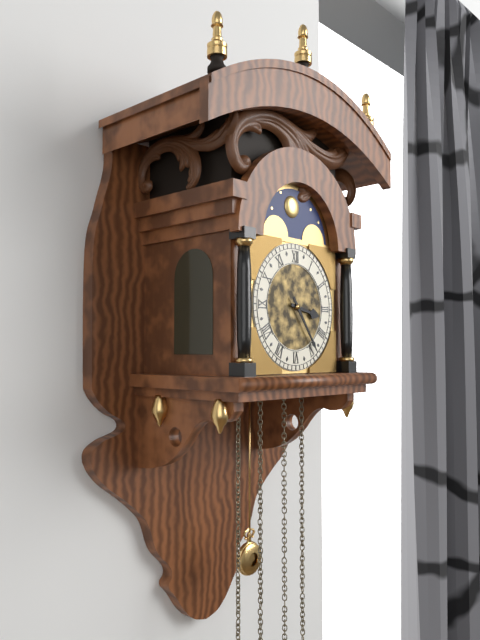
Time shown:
{"hour": 3, "minute": 24}
